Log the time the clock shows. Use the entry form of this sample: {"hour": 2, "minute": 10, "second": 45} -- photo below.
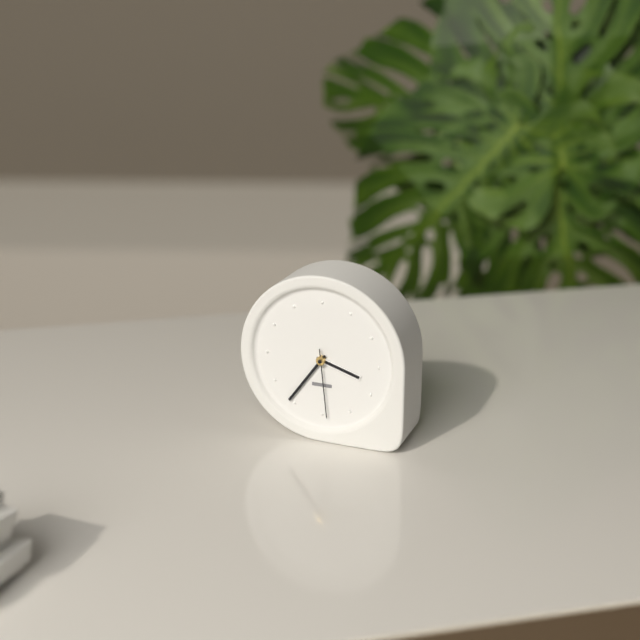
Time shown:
{"hour": 3, "minute": 36, "second": 29}
